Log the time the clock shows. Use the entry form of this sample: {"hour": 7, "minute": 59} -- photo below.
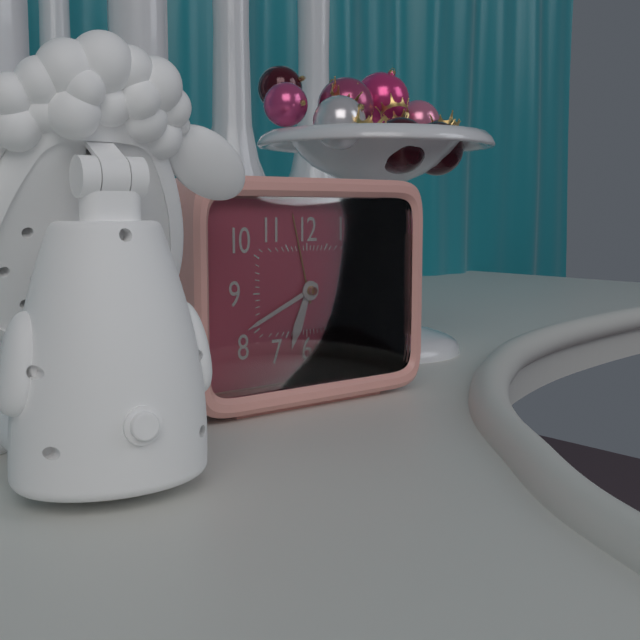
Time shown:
{"hour": 6, "minute": 41}
